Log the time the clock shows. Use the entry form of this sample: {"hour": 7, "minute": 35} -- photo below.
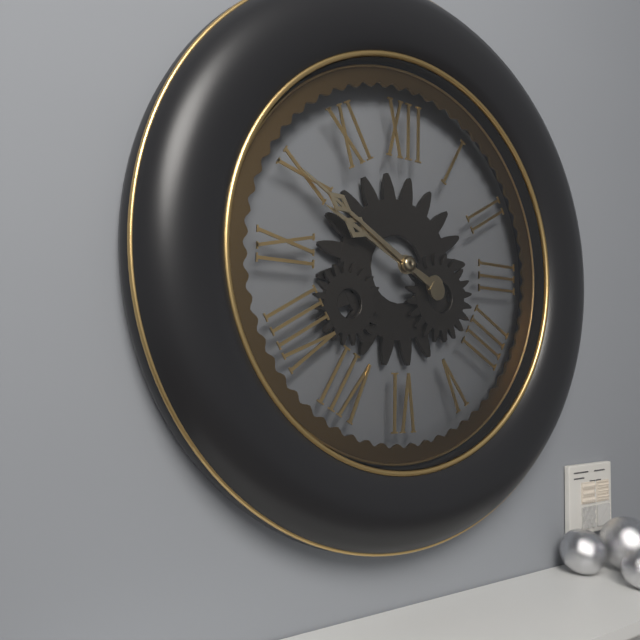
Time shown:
{"hour": 9, "minute": 50}
